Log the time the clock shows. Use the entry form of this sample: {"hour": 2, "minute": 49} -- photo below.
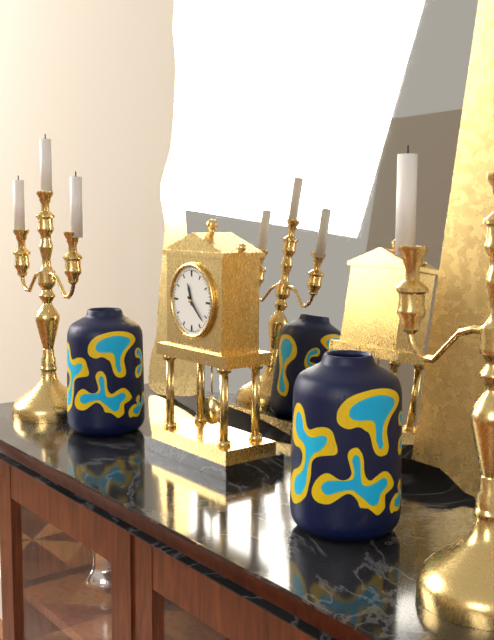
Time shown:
{"hour": 11, "minute": 22}
